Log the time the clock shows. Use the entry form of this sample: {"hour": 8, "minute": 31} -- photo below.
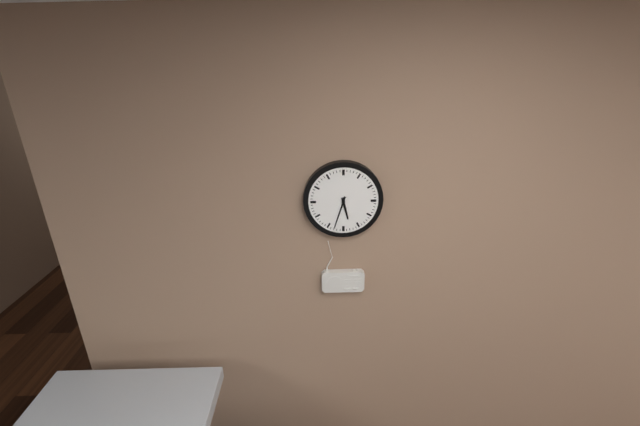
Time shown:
{"hour": 5, "minute": 33}
